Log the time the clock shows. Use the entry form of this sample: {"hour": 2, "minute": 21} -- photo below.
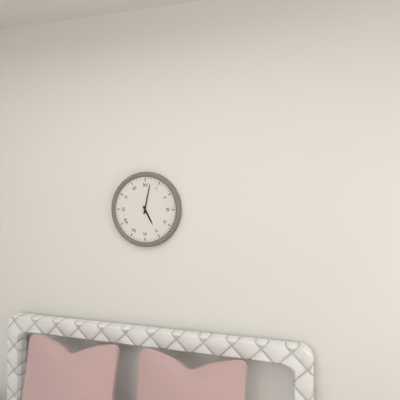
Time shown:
{"hour": 5, "minute": 2}
